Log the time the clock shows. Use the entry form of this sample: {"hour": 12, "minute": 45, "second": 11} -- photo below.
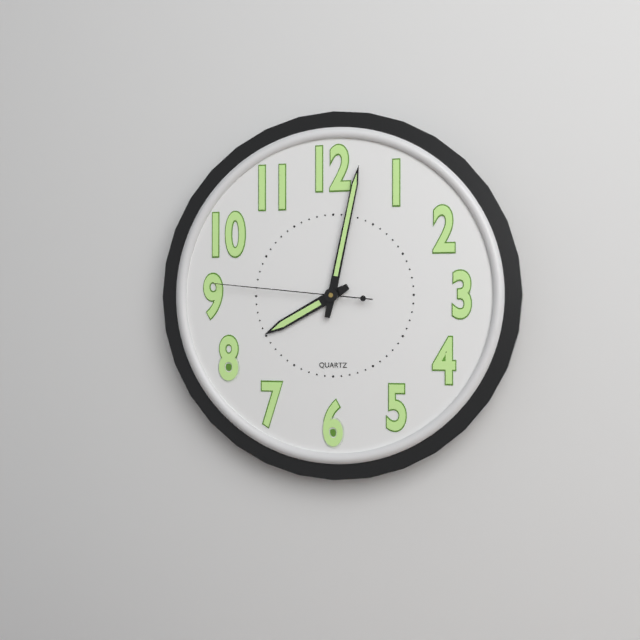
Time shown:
{"hour": 8, "minute": 2, "second": 46}
